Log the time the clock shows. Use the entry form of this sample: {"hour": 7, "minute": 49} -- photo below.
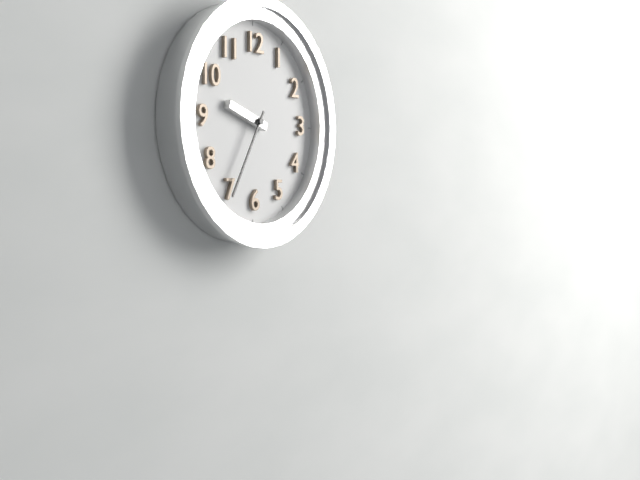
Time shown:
{"hour": 9, "minute": 35}
